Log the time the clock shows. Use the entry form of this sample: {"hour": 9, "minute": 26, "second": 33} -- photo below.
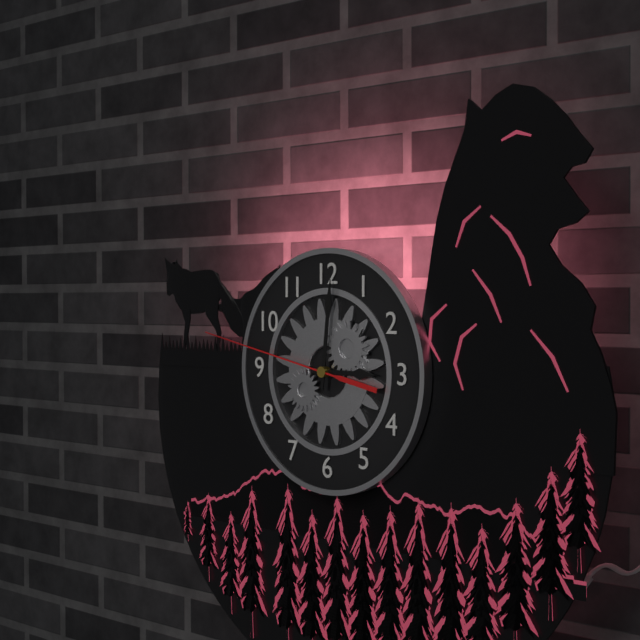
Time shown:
{"hour": 3, "minute": 1, "second": 47}
